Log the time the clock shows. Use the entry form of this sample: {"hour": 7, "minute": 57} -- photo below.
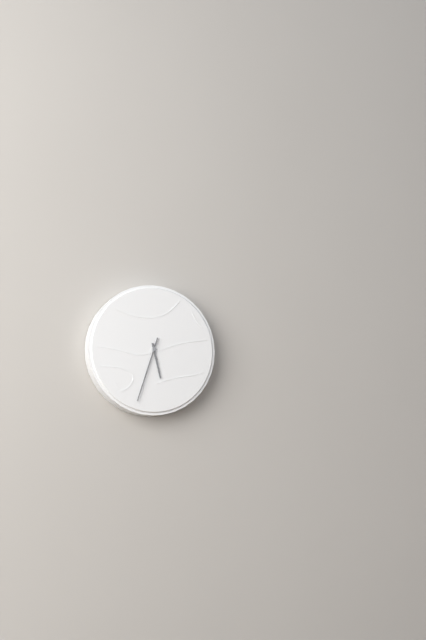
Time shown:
{"hour": 5, "minute": 33}
